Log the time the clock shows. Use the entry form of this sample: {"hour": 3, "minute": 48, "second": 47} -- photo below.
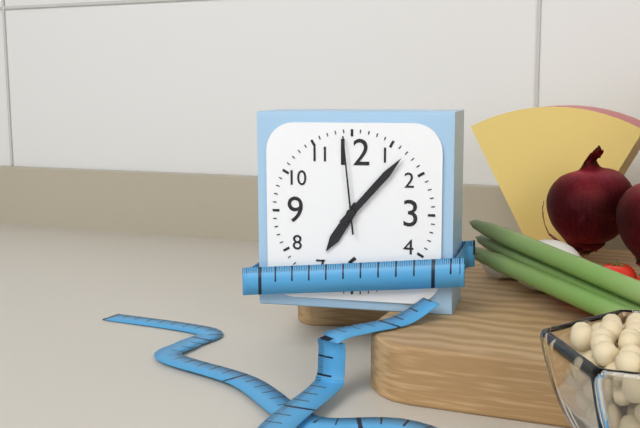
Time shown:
{"hour": 7, "minute": 7, "second": 59}
